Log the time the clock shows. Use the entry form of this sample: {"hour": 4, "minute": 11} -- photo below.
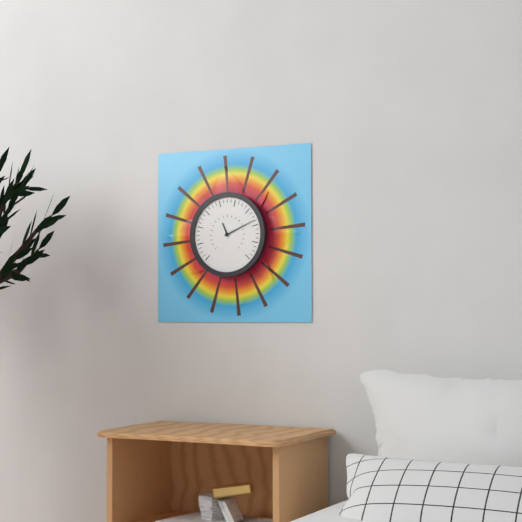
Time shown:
{"hour": 11, "minute": 11}
